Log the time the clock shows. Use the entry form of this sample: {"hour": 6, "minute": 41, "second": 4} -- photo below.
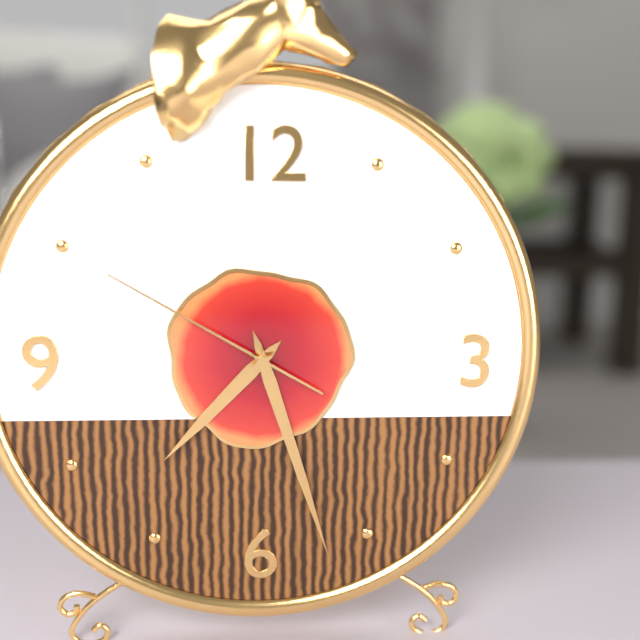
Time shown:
{"hour": 7, "minute": 27, "second": 50}
